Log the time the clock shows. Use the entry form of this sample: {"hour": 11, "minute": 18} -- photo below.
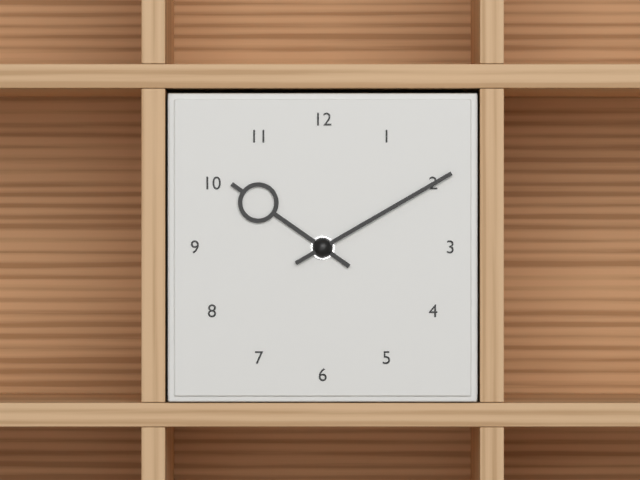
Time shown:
{"hour": 10, "minute": 10}
